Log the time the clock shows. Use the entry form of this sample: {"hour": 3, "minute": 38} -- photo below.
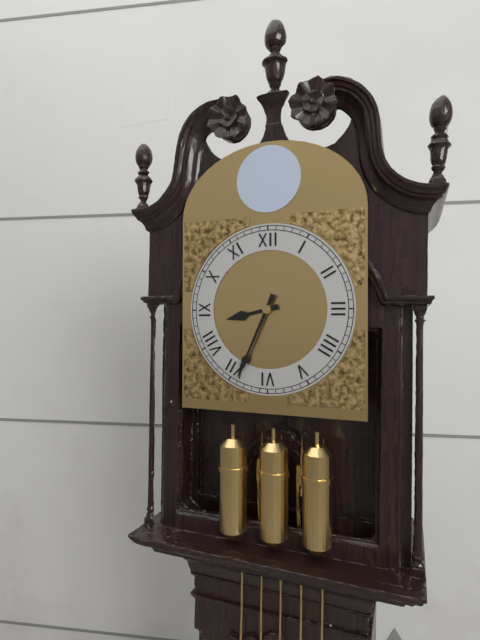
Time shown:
{"hour": 8, "minute": 34}
